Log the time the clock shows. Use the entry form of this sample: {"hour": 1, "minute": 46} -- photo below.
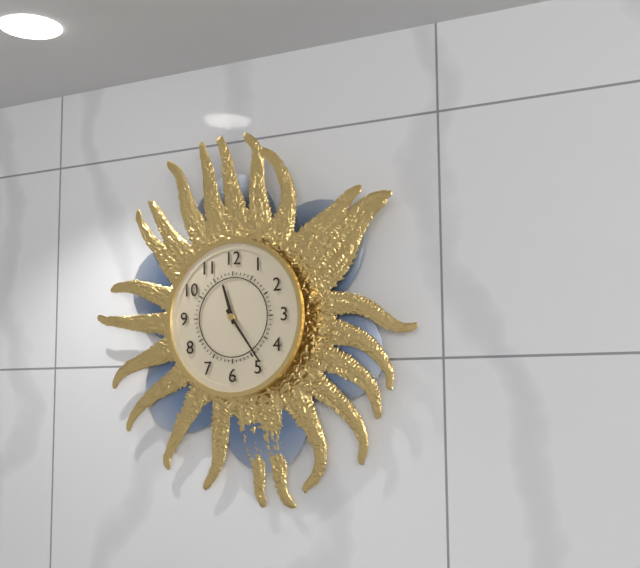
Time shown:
{"hour": 11, "minute": 24}
